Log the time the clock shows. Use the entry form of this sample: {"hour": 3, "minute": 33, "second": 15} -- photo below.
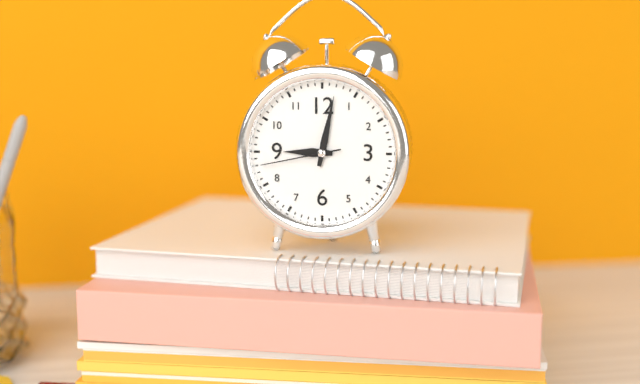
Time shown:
{"hour": 9, "minute": 2, "second": 43}
